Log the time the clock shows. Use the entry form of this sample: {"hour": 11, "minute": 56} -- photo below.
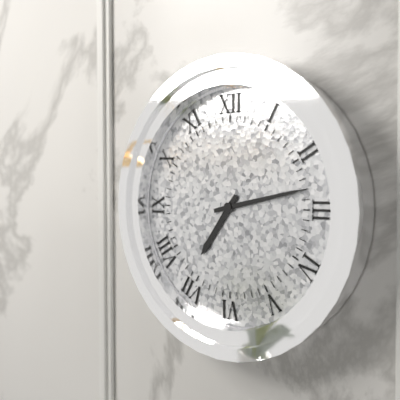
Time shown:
{"hour": 7, "minute": 13}
